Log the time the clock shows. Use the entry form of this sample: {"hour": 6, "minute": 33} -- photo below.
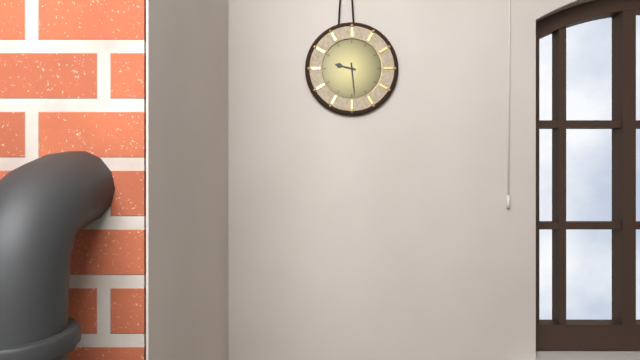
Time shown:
{"hour": 9, "minute": 29}
